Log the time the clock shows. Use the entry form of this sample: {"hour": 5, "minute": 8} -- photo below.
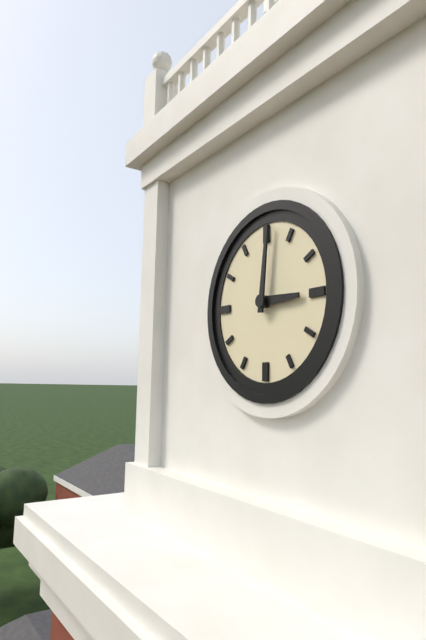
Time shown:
{"hour": 3, "minute": 1}
